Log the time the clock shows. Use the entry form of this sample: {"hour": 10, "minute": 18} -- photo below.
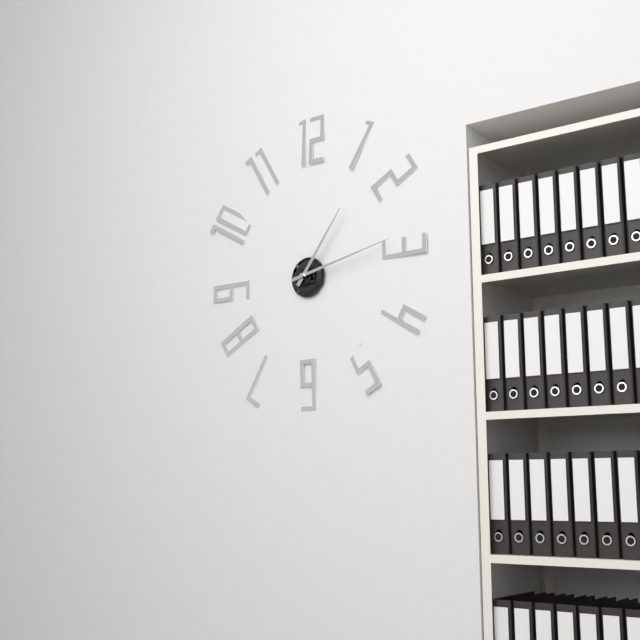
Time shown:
{"hour": 1, "minute": 13}
